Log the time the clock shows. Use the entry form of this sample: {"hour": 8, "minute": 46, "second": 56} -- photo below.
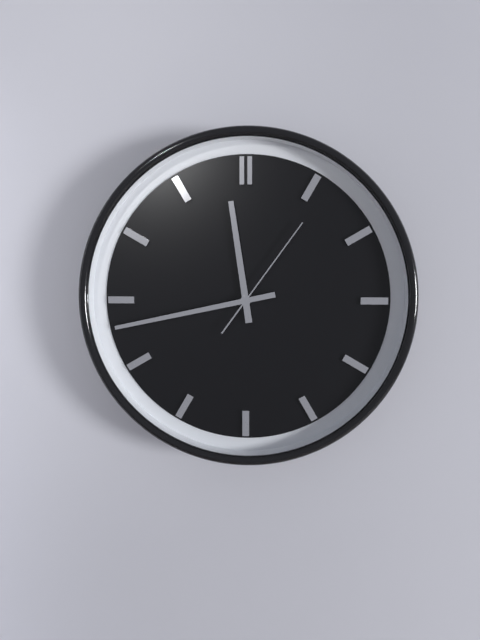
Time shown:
{"hour": 11, "minute": 43, "second": 6}
